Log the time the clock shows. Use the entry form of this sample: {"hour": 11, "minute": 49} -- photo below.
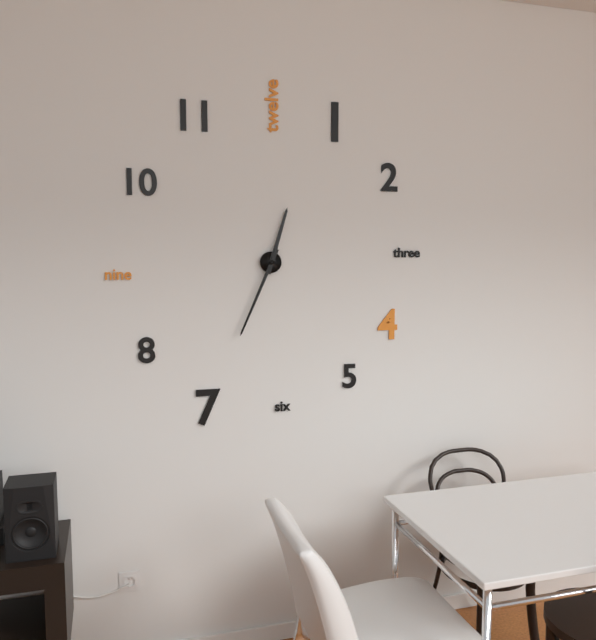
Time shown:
{"hour": 12, "minute": 34}
